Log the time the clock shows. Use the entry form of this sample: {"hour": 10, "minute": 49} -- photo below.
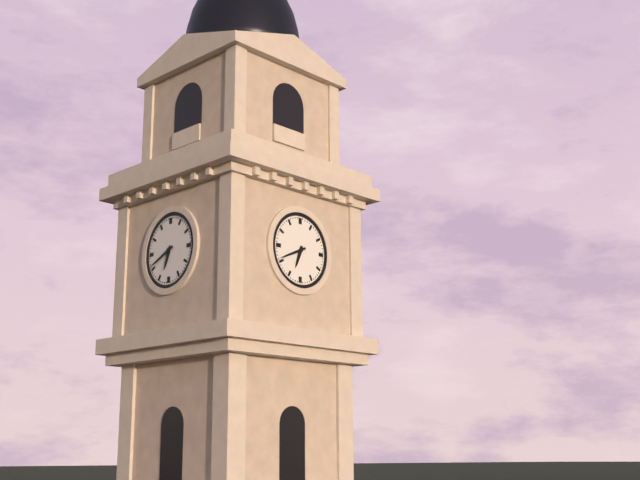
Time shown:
{"hour": 6, "minute": 41}
